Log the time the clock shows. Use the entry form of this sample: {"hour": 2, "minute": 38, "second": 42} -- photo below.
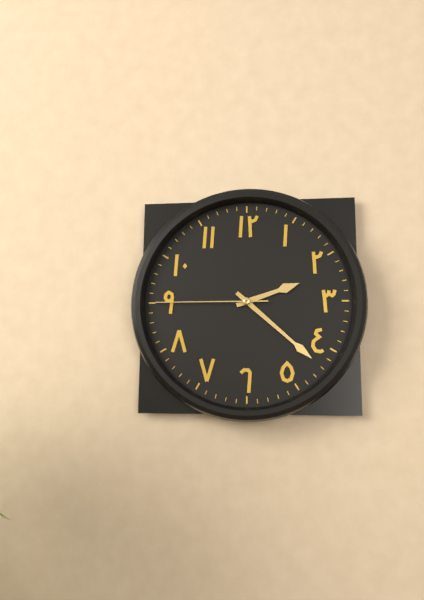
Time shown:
{"hour": 2, "minute": 22, "second": 45}
